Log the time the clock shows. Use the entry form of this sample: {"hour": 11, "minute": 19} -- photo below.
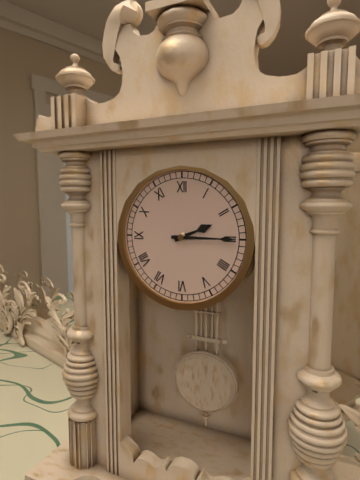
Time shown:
{"hour": 2, "minute": 15}
